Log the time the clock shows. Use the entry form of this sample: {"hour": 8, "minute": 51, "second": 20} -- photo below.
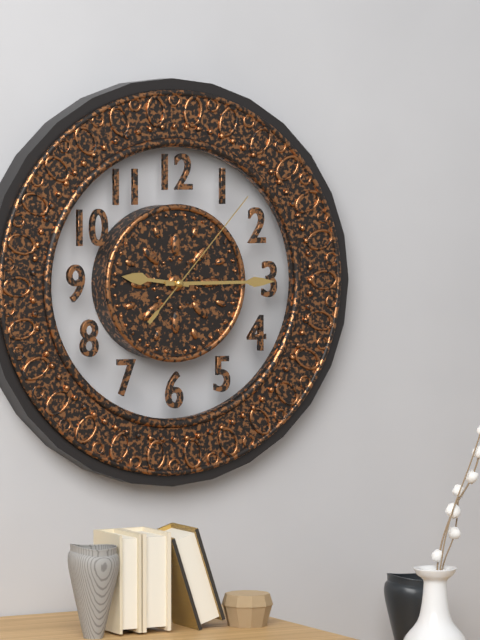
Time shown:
{"hour": 9, "minute": 15, "second": 7}
